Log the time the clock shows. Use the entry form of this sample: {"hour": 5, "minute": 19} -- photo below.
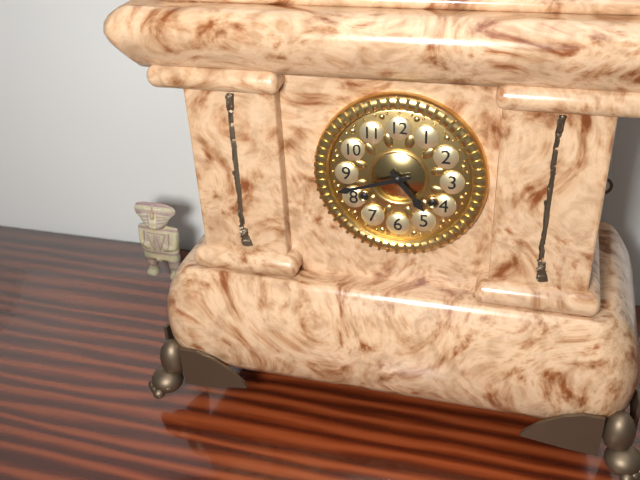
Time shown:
{"hour": 4, "minute": 42}
